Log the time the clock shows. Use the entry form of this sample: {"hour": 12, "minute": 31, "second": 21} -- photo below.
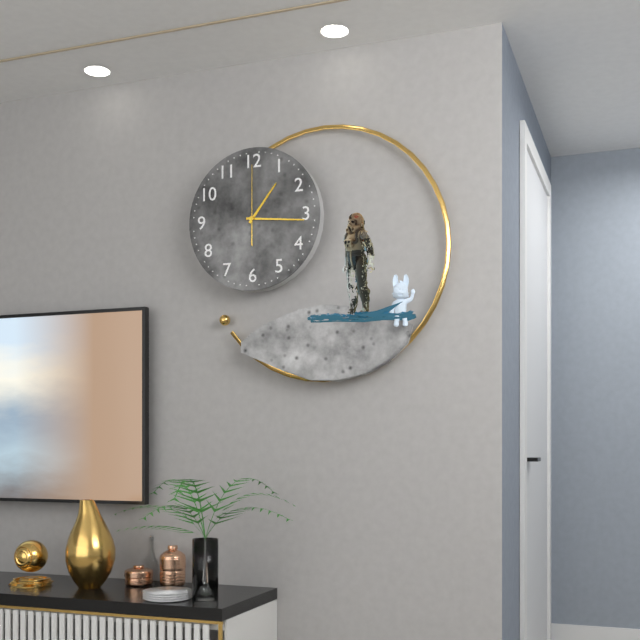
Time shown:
{"hour": 1, "minute": 16, "second": 0}
